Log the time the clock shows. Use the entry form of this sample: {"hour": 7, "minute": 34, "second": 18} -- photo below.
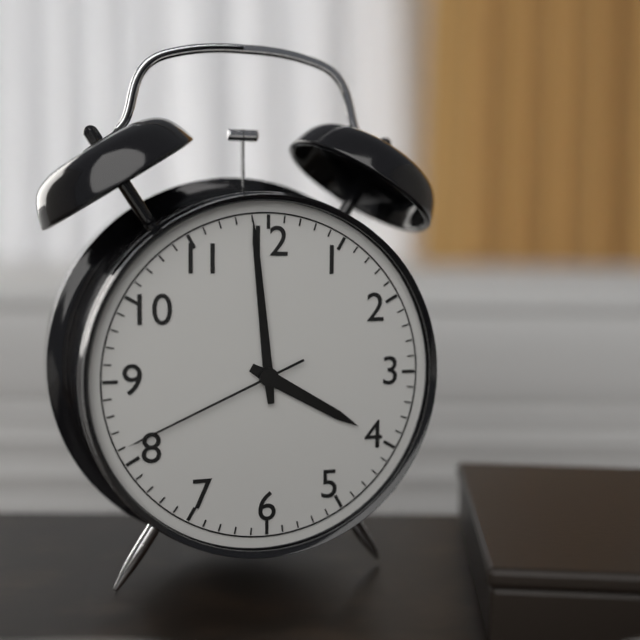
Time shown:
{"hour": 3, "minute": 59, "second": 41}
